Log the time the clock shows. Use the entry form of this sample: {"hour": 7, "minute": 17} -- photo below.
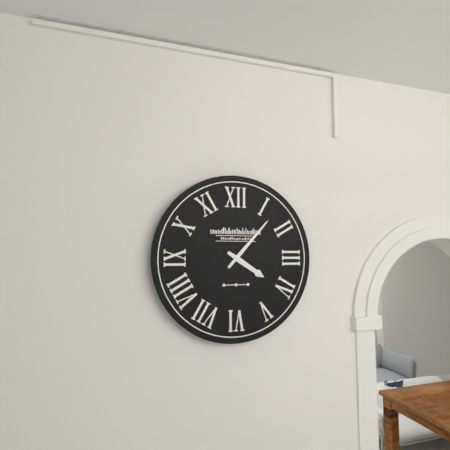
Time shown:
{"hour": 4, "minute": 7}
